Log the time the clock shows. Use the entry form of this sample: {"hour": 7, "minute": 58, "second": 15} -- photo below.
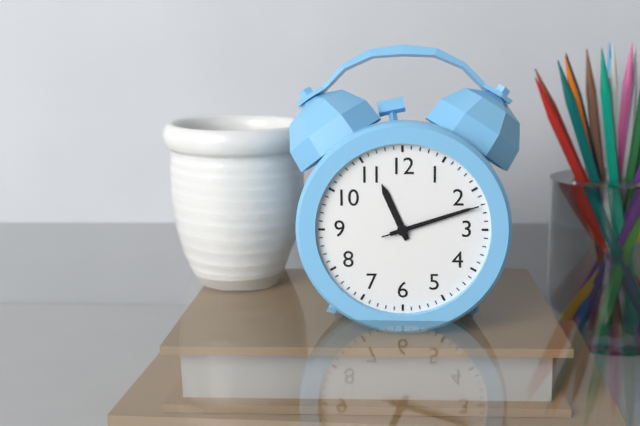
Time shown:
{"hour": 11, "minute": 12, "second": 12}
